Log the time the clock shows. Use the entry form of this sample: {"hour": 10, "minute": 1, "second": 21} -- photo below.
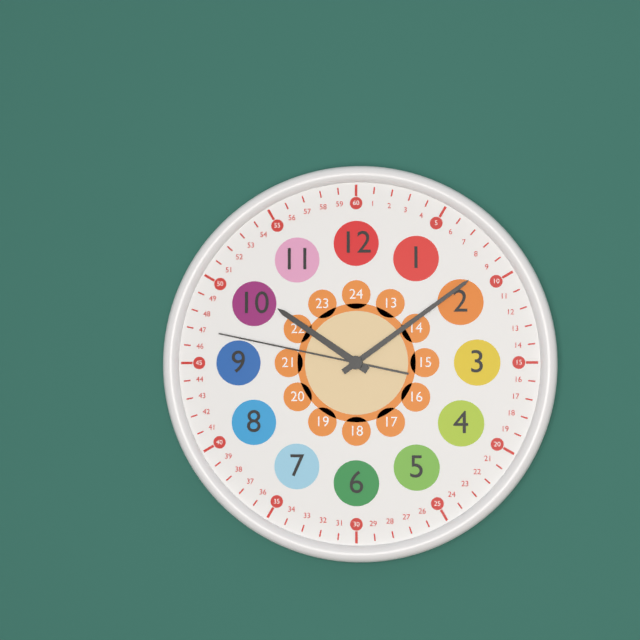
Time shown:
{"hour": 10, "minute": 9, "second": 47}
